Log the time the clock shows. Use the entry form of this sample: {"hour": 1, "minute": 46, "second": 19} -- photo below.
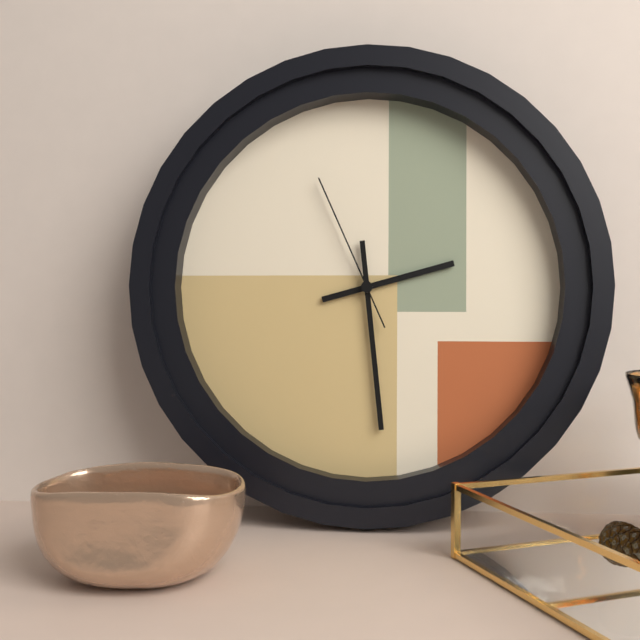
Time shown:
{"hour": 2, "minute": 29, "second": 56}
